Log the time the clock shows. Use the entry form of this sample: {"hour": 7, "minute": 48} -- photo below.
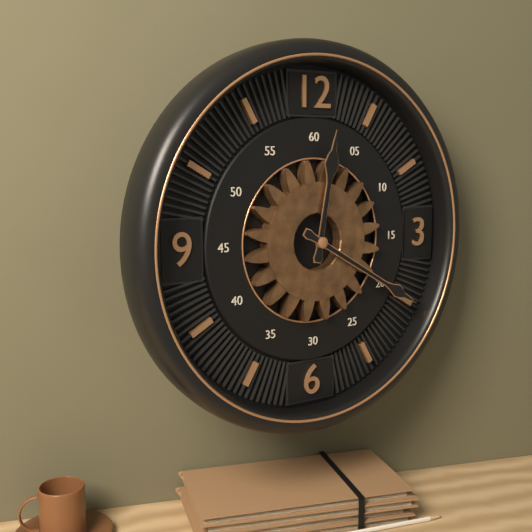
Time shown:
{"hour": 12, "minute": 20}
